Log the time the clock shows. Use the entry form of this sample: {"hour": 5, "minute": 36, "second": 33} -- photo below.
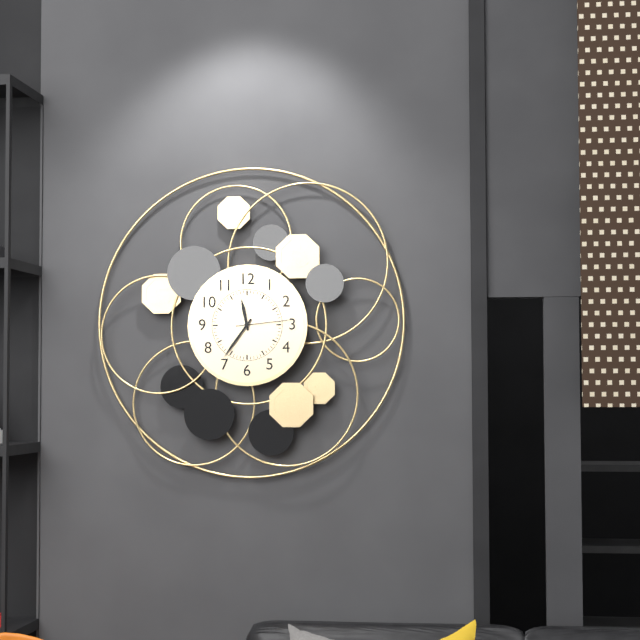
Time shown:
{"hour": 11, "minute": 36, "second": 14}
